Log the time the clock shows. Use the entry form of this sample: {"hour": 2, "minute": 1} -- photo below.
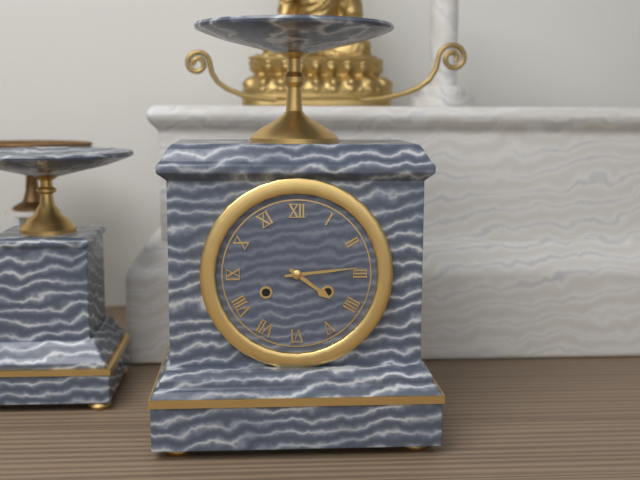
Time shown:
{"hour": 4, "minute": 14}
